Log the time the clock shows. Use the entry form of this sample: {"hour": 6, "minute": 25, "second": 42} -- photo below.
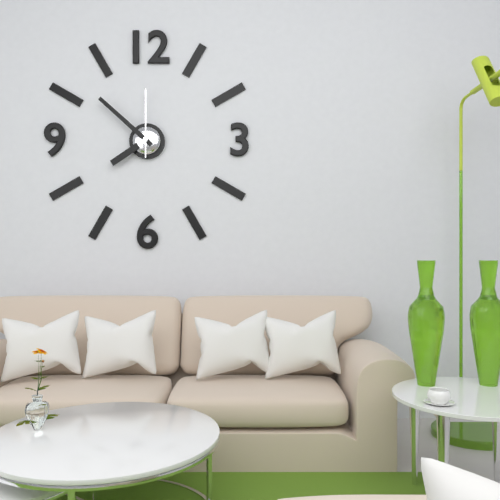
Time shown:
{"hour": 7, "minute": 52, "second": 0}
